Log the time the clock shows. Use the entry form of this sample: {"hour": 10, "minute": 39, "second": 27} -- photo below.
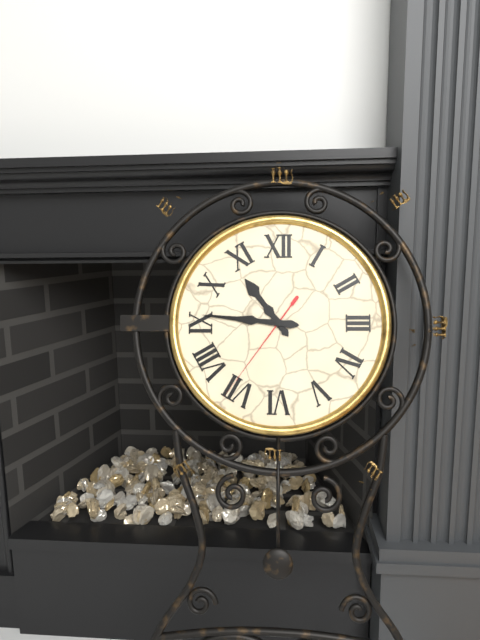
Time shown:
{"hour": 10, "minute": 46, "second": 36}
